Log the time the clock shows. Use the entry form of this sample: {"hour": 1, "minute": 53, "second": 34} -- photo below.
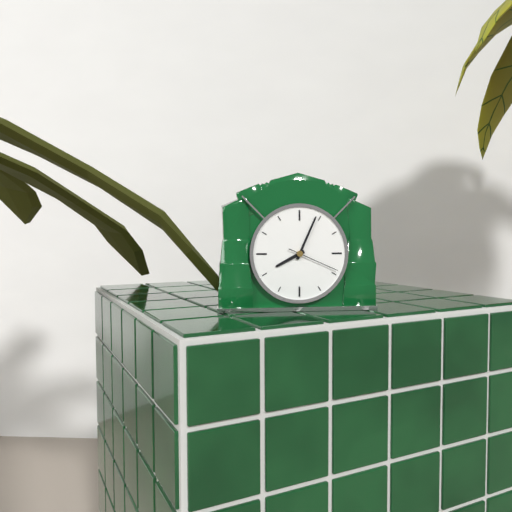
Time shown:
{"hour": 8, "minute": 4, "second": 19}
